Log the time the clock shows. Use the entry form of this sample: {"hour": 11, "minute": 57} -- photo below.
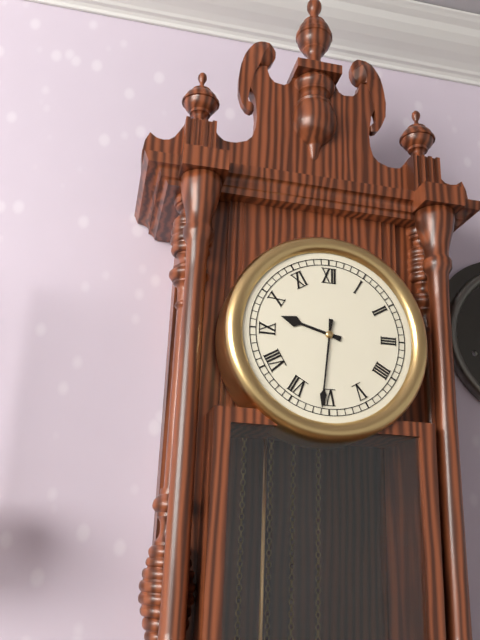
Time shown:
{"hour": 9, "minute": 31}
